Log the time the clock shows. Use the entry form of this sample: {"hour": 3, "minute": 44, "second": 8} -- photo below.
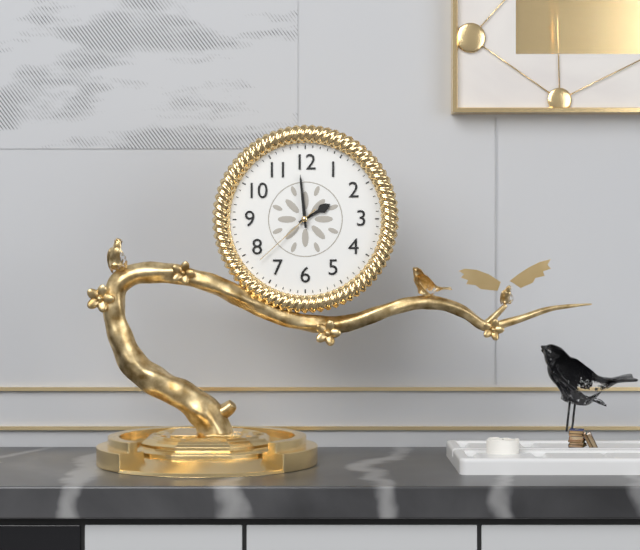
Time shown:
{"hour": 1, "minute": 59, "second": 38}
